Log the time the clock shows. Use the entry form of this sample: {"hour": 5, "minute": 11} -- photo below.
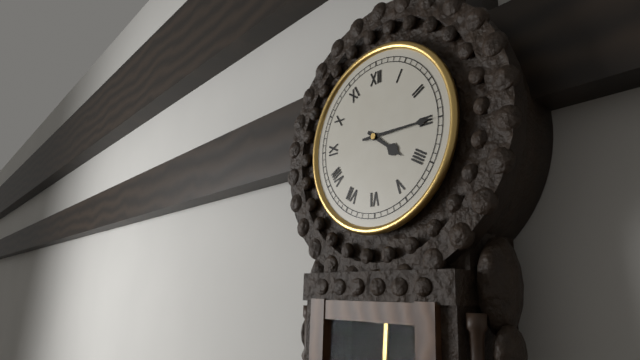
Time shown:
{"hour": 4, "minute": 15}
